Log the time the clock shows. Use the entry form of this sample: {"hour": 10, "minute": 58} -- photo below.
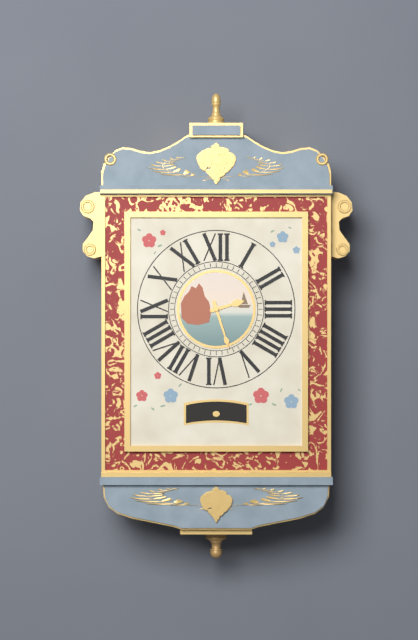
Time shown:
{"hour": 2, "minute": 27}
